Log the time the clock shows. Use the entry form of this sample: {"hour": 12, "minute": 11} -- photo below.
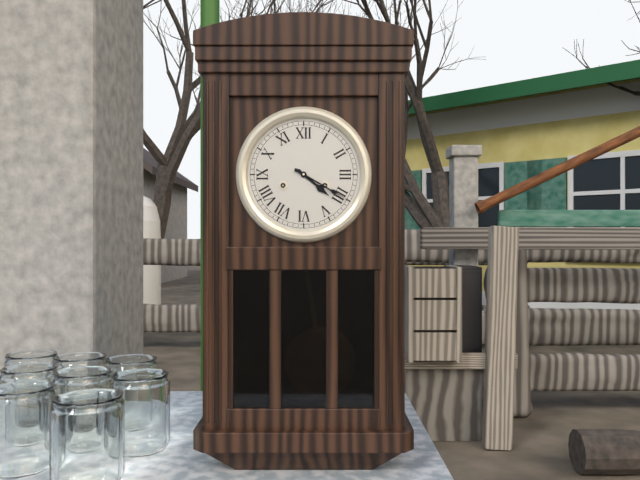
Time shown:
{"hour": 4, "minute": 20}
